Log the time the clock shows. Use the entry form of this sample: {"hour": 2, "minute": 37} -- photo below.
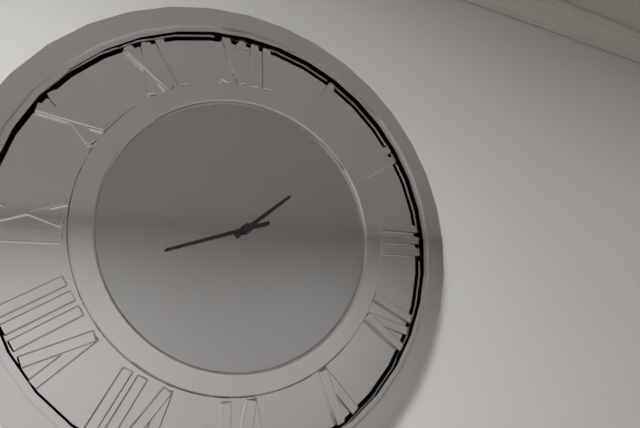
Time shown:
{"hour": 1, "minute": 42}
